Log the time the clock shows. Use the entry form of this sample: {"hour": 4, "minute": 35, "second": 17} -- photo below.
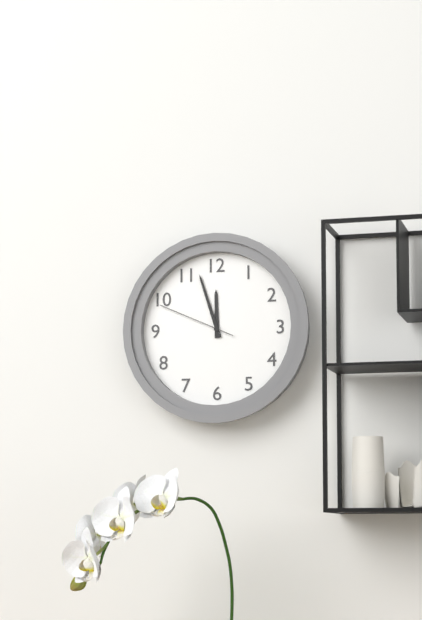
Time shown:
{"hour": 11, "minute": 57, "second": 49}
